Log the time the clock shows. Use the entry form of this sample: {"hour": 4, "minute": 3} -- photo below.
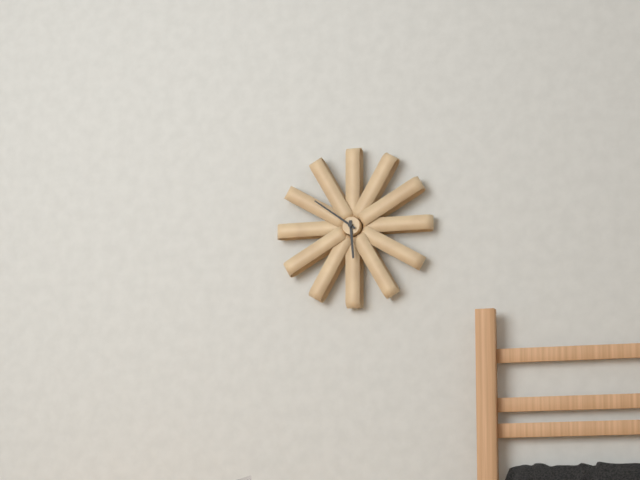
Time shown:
{"hour": 5, "minute": 51}
